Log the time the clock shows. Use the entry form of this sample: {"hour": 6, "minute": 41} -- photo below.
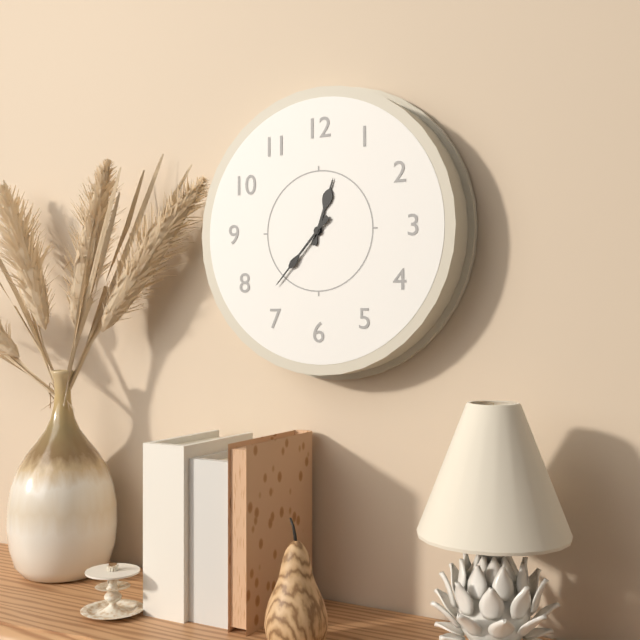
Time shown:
{"hour": 12, "minute": 37}
